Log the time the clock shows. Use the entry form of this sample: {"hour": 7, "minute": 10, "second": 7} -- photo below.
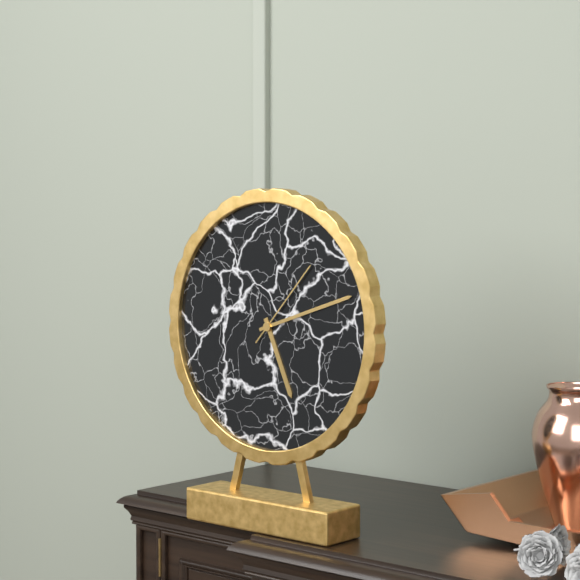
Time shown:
{"hour": 5, "minute": 12, "second": 7}
